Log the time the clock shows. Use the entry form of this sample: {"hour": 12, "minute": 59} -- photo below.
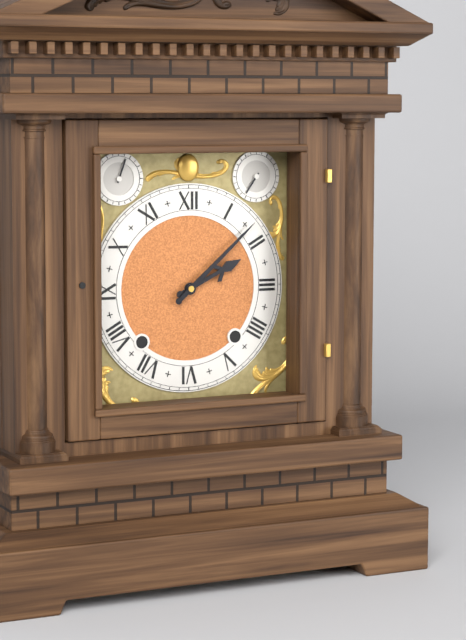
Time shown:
{"hour": 2, "minute": 8}
